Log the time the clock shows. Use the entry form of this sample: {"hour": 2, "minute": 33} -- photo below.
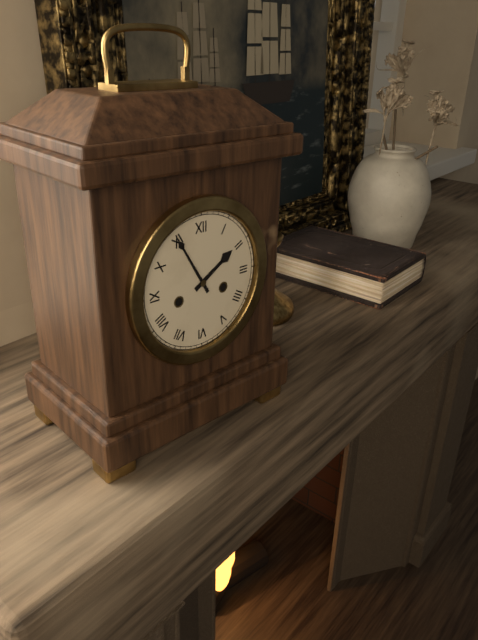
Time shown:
{"hour": 1, "minute": 55}
